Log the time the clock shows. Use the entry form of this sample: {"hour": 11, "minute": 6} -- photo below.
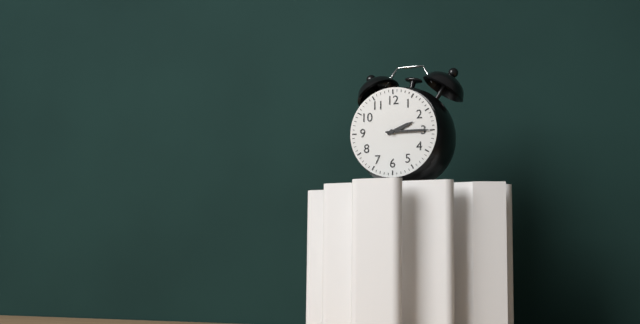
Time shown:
{"hour": 2, "minute": 15}
